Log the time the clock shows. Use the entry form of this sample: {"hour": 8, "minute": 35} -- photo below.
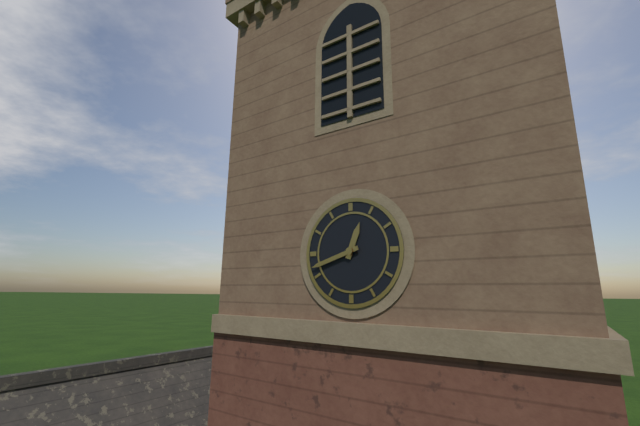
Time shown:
{"hour": 12, "minute": 42}
